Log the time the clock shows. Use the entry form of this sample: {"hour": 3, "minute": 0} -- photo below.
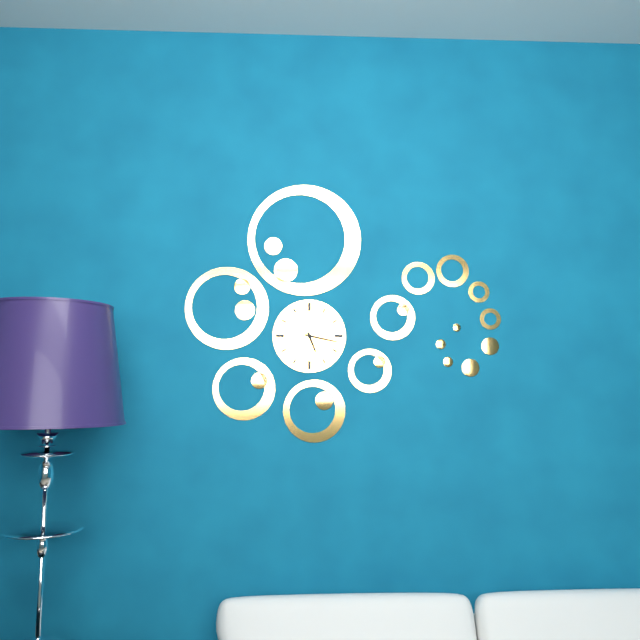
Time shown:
{"hour": 5, "minute": 17}
